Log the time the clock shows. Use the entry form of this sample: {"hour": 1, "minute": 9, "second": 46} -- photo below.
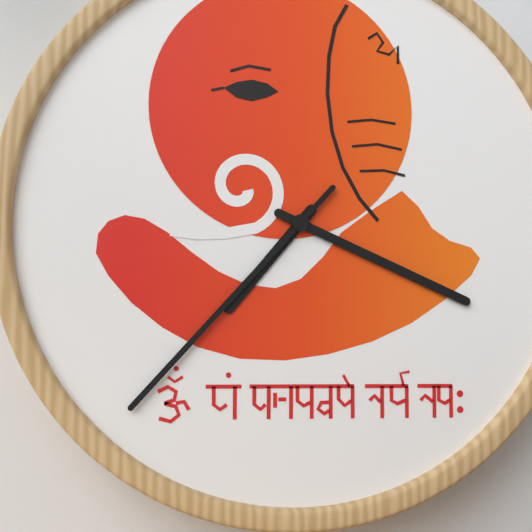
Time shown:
{"hour": 7, "minute": 19, "second": 37}
